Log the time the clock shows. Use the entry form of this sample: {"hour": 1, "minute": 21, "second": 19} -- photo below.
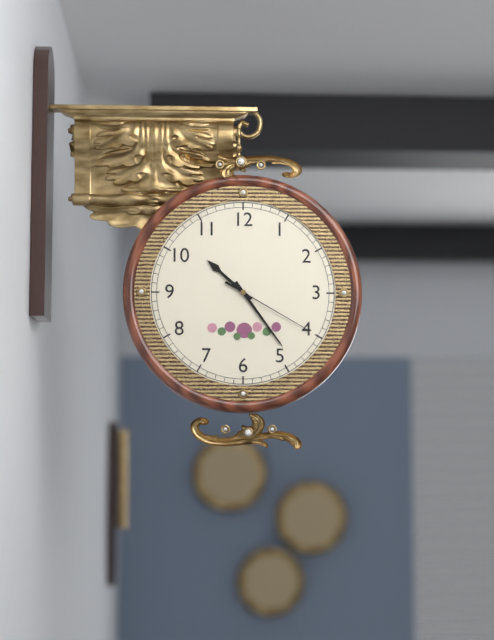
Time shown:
{"hour": 10, "minute": 24, "second": 20}
